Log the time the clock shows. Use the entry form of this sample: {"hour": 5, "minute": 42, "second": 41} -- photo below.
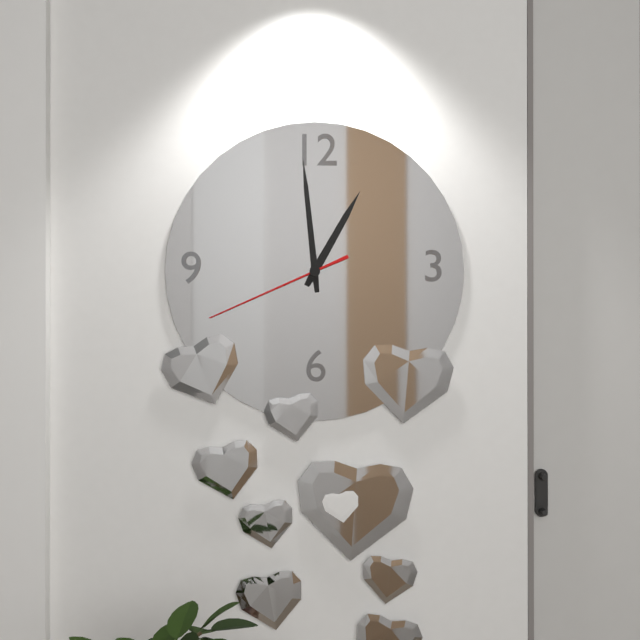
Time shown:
{"hour": 12, "minute": 59, "second": 41}
